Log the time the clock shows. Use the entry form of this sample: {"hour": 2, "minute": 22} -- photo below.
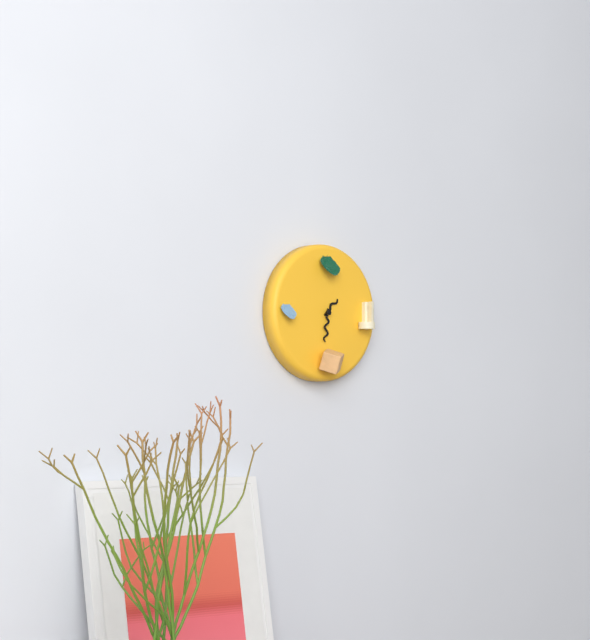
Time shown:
{"hour": 1, "minute": 31}
